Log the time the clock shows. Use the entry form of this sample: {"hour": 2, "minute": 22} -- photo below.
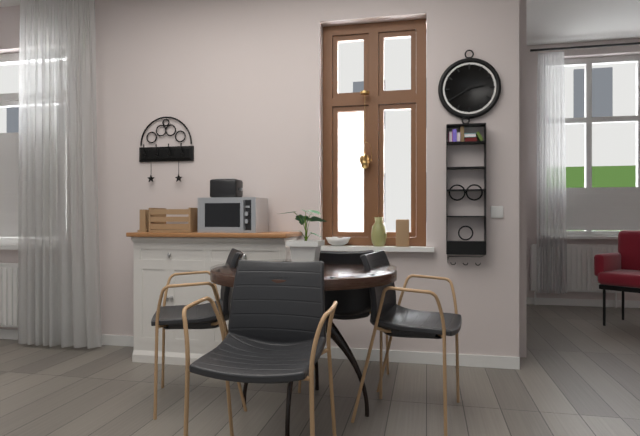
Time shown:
{"hour": 2, "minute": 40}
